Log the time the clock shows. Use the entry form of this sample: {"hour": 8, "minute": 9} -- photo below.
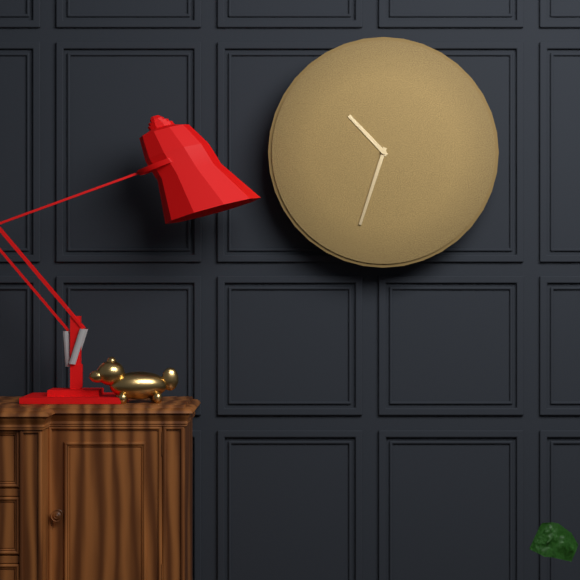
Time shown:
{"hour": 10, "minute": 33}
